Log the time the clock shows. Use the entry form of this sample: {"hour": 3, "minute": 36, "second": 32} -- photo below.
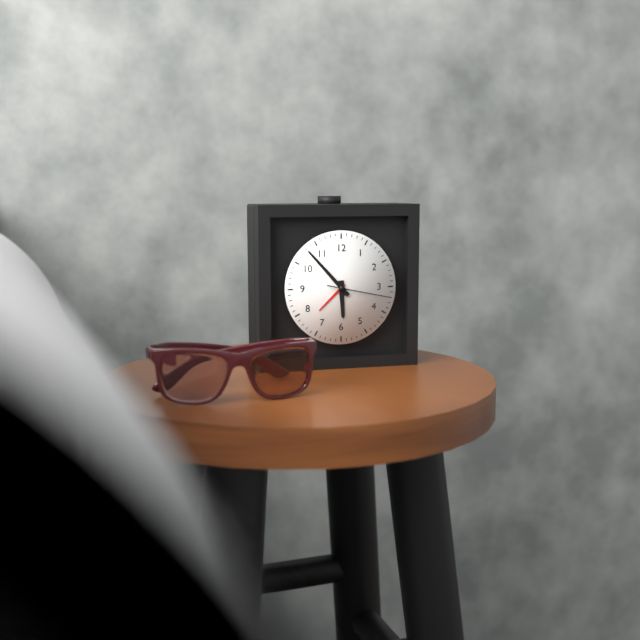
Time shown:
{"hour": 5, "minute": 53, "second": 17}
